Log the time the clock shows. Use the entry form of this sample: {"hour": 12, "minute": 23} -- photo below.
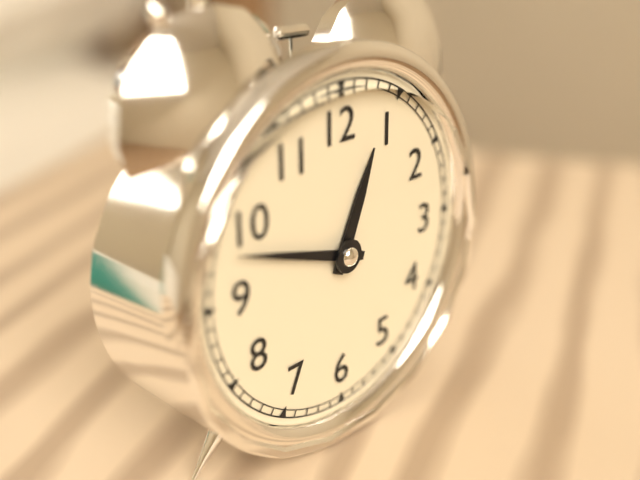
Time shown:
{"hour": 12, "minute": 48}
